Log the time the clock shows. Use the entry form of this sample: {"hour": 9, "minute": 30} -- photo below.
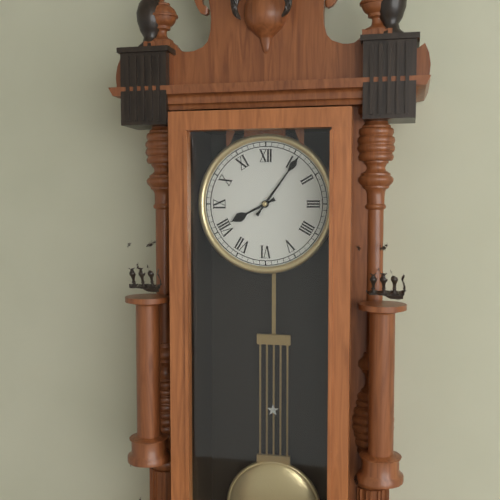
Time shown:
{"hour": 8, "minute": 6}
